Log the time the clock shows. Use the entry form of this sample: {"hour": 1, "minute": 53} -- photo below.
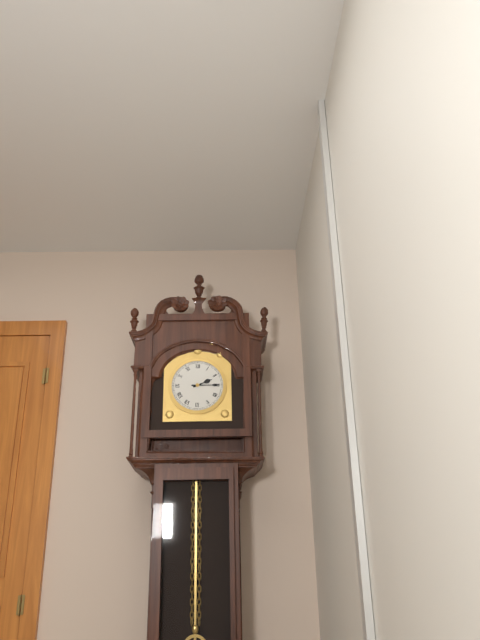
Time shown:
{"hour": 2, "minute": 15}
